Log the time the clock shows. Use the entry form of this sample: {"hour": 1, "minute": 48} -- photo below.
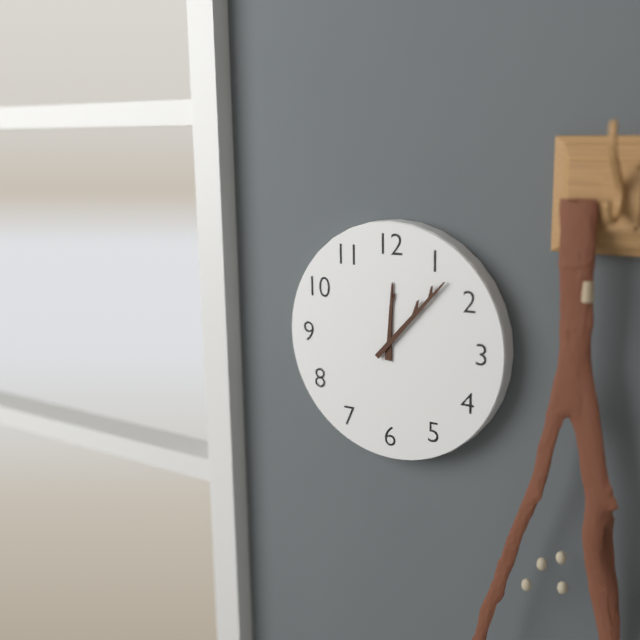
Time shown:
{"hour": 12, "minute": 7}
